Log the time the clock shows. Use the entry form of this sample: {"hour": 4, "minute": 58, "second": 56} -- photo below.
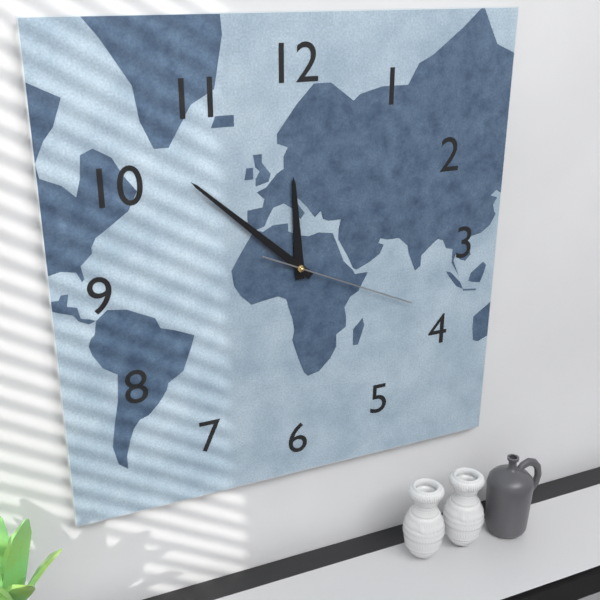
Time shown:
{"hour": 11, "minute": 52, "second": 19}
